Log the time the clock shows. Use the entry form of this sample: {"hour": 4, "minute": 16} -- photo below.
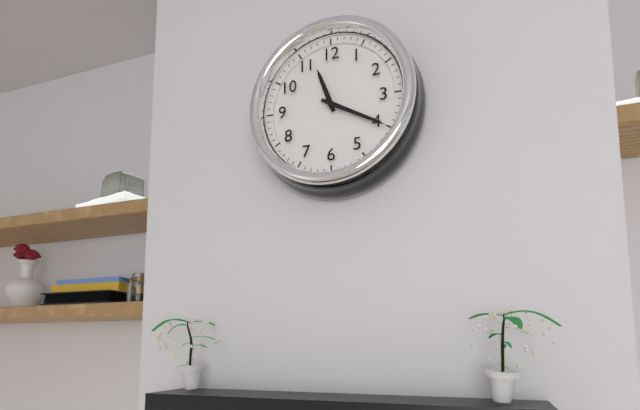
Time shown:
{"hour": 11, "minute": 20}
